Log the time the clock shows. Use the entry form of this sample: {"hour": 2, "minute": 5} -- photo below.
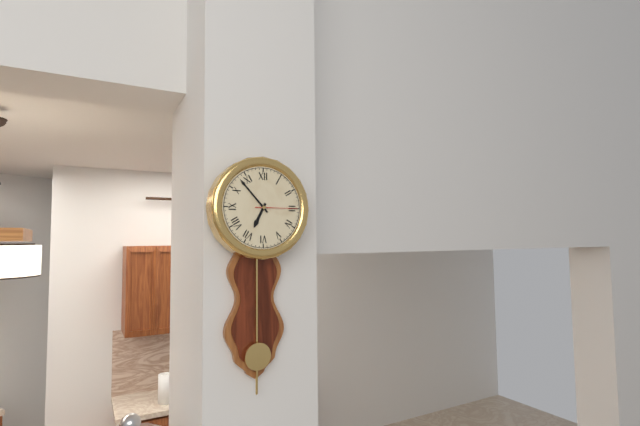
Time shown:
{"hour": 6, "minute": 53}
